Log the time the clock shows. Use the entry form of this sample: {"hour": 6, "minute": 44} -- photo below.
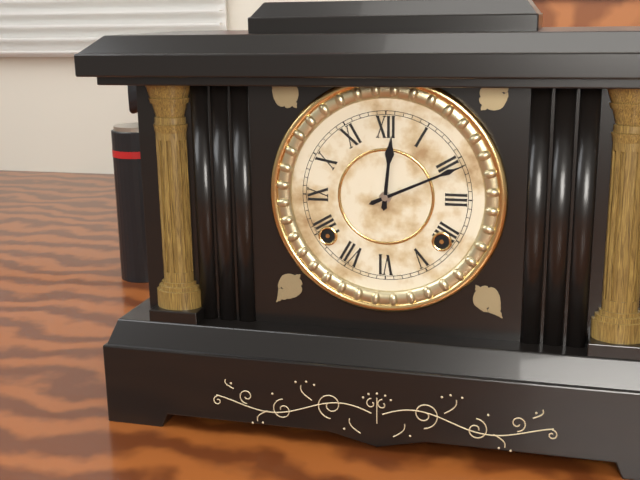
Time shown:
{"hour": 12, "minute": 11}
